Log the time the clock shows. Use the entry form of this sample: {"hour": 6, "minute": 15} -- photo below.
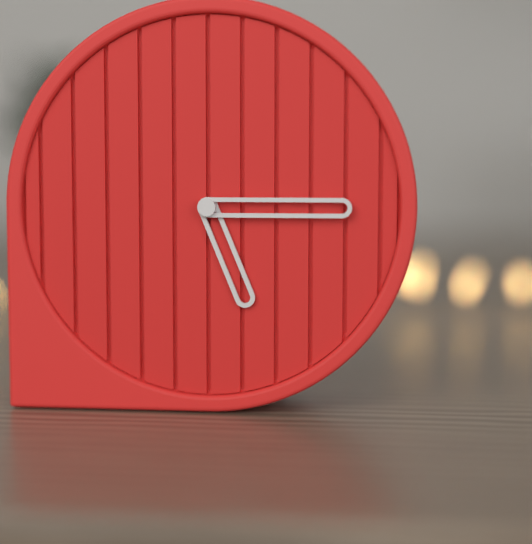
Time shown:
{"hour": 5, "minute": 15}
